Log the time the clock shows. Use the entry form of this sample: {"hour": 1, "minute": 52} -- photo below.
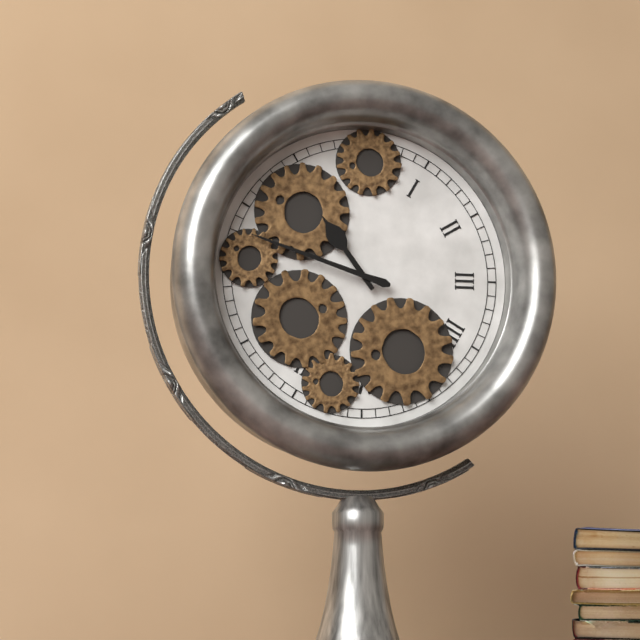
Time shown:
{"hour": 10, "minute": 48}
